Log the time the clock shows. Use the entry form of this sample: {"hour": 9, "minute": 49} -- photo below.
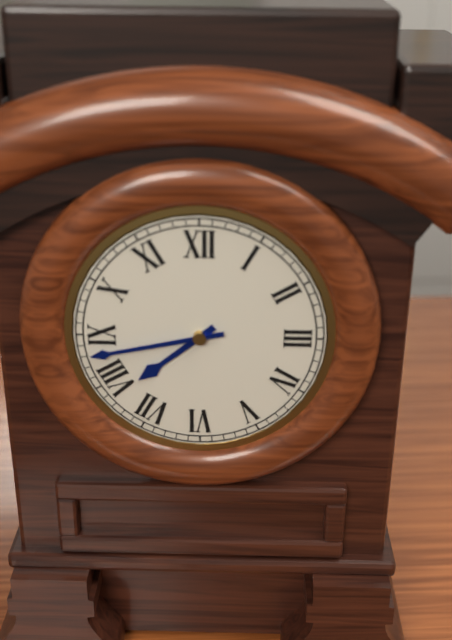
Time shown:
{"hour": 7, "minute": 43}
